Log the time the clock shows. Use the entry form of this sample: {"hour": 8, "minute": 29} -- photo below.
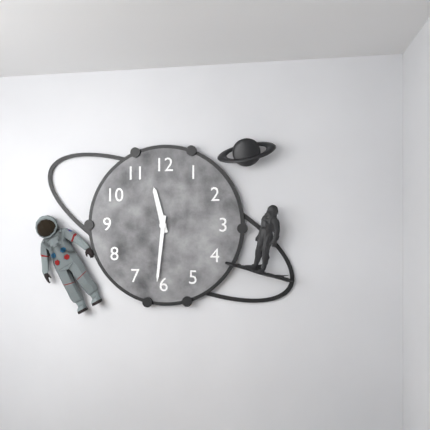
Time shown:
{"hour": 11, "minute": 31}
